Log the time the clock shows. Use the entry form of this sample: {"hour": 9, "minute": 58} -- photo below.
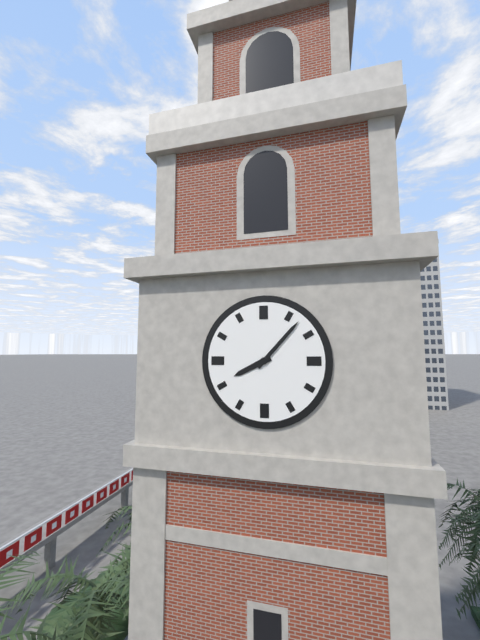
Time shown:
{"hour": 8, "minute": 7}
